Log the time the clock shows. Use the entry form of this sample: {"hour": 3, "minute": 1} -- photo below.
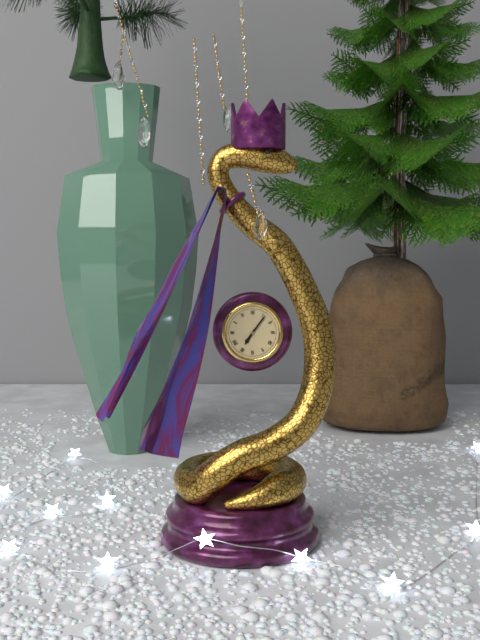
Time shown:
{"hour": 7, "minute": 6}
